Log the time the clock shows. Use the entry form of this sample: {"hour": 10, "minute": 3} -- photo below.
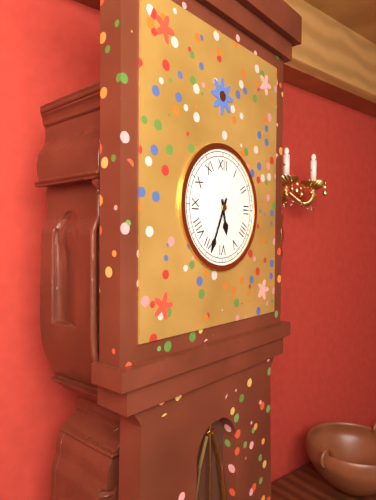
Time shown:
{"hour": 5, "minute": 34}
